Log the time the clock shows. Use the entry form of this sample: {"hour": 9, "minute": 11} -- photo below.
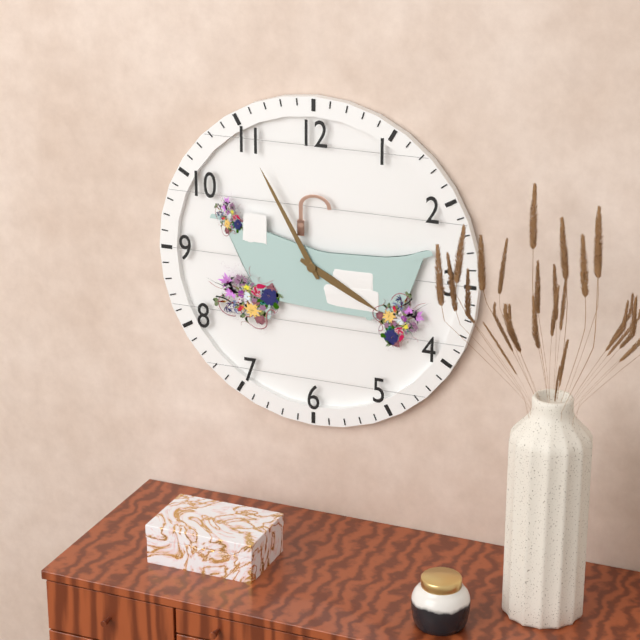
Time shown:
{"hour": 3, "minute": 55}
